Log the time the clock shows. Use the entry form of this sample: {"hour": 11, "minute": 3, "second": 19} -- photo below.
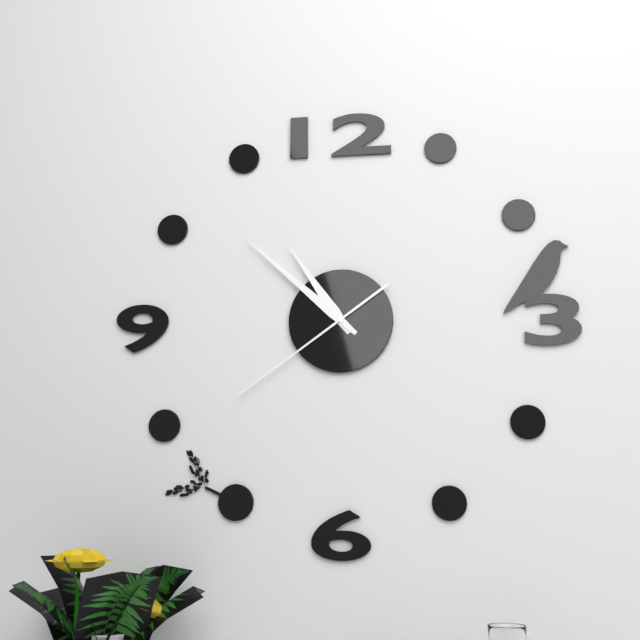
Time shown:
{"hour": 10, "minute": 52, "second": 39}
